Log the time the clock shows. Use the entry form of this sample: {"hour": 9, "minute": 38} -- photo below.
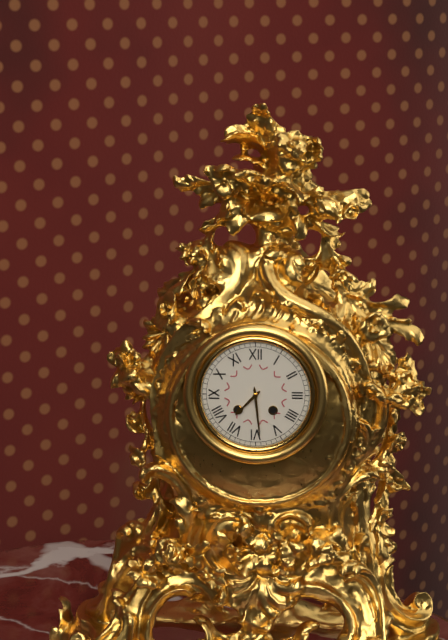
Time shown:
{"hour": 7, "minute": 29}
